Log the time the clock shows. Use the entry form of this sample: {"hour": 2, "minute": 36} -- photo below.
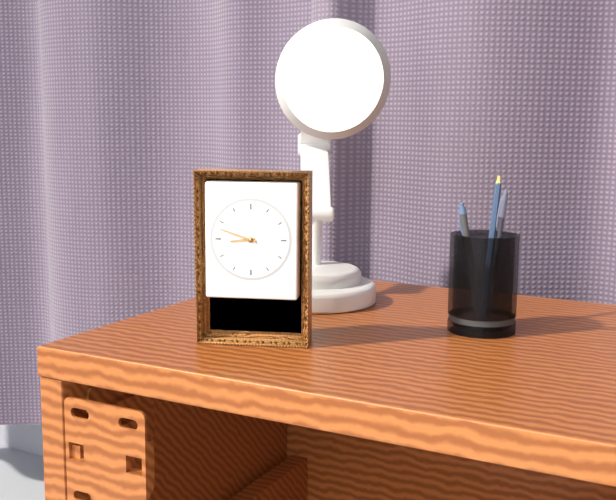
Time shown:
{"hour": 8, "minute": 48}
